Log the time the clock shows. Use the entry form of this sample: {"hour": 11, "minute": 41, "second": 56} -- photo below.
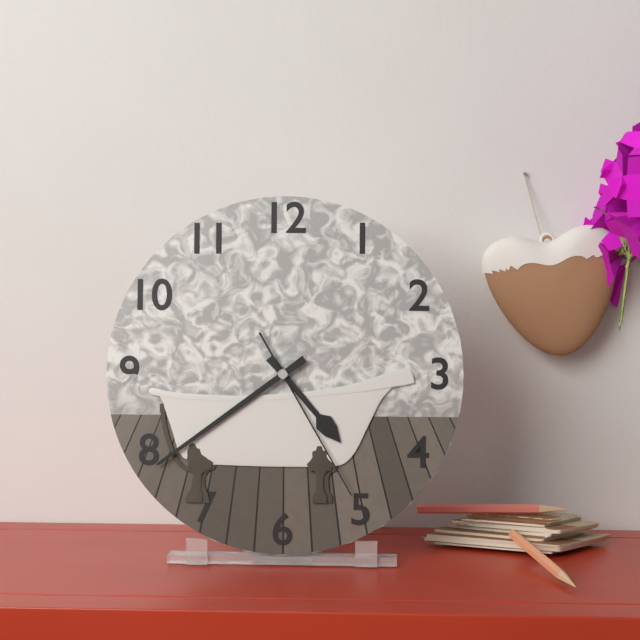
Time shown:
{"hour": 4, "minute": 39, "second": 25}
